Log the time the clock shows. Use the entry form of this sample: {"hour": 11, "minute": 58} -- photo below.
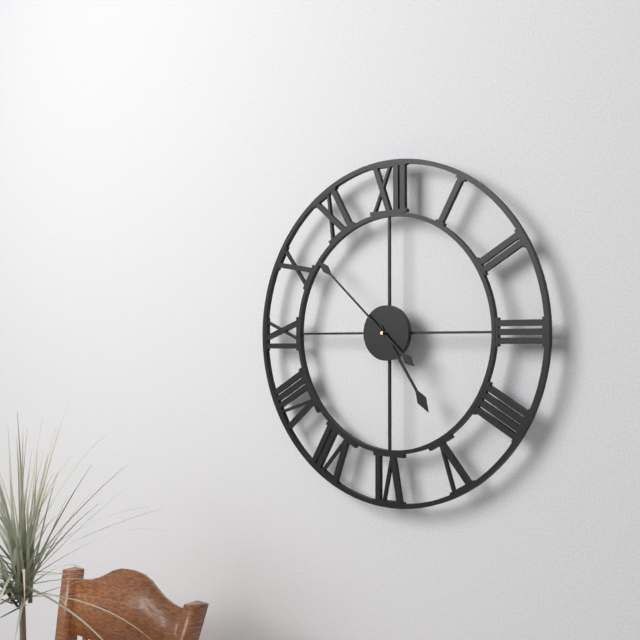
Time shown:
{"hour": 4, "minute": 52}
